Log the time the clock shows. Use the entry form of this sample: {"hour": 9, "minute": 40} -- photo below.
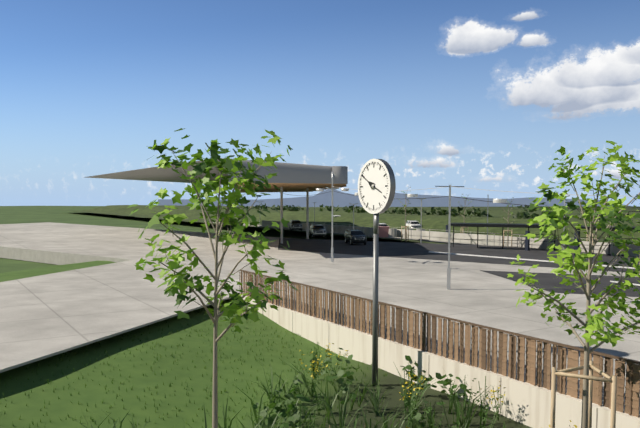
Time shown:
{"hour": 3, "minute": 50}
